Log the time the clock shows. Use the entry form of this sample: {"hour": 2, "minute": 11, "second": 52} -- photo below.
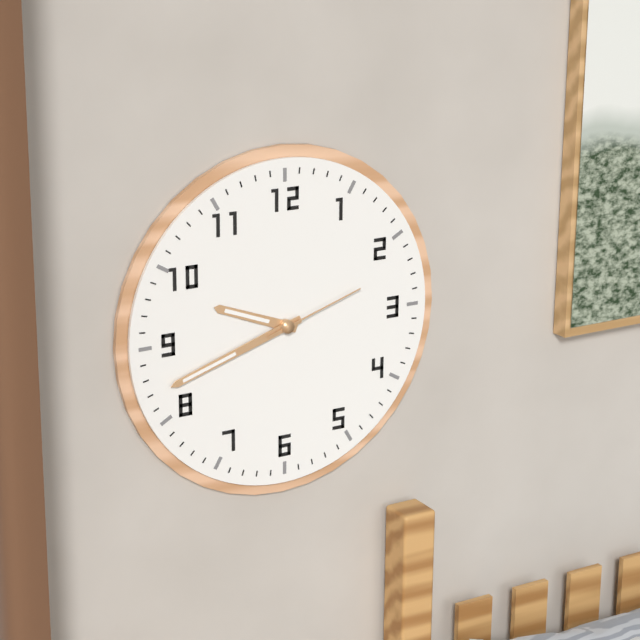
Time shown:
{"hour": 9, "minute": 42, "second": 12}
